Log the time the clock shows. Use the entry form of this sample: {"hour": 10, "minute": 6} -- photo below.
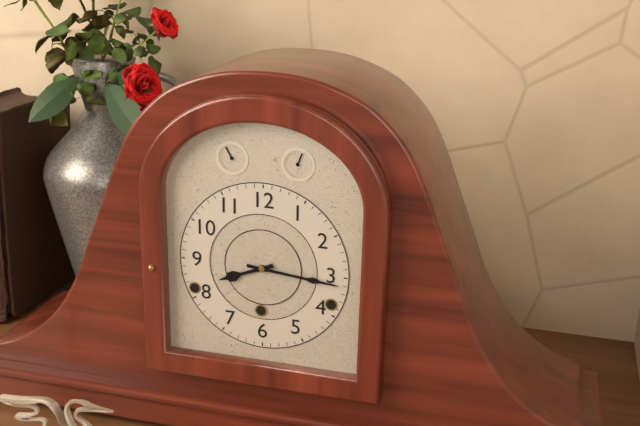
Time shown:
{"hour": 8, "minute": 16}
